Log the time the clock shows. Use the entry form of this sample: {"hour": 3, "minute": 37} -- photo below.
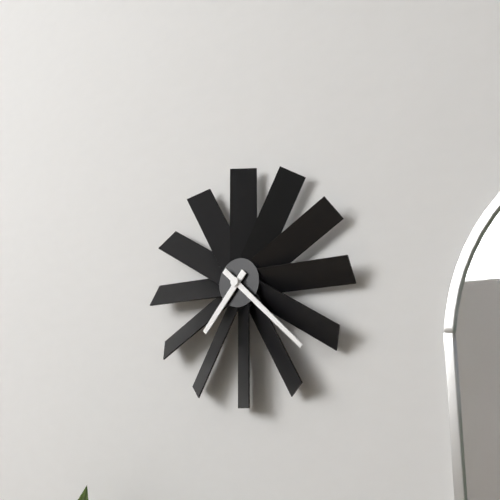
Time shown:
{"hour": 7, "minute": 22}
